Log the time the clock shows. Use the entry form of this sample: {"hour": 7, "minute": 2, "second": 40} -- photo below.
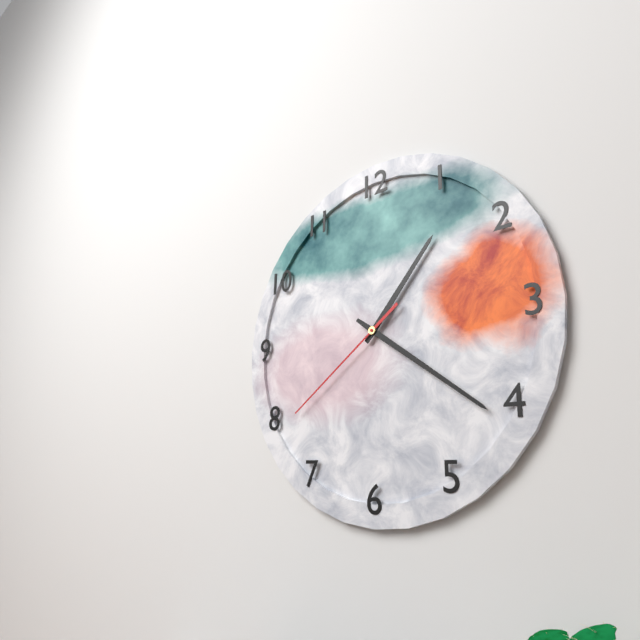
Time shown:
{"hour": 1, "minute": 21, "second": 39}
